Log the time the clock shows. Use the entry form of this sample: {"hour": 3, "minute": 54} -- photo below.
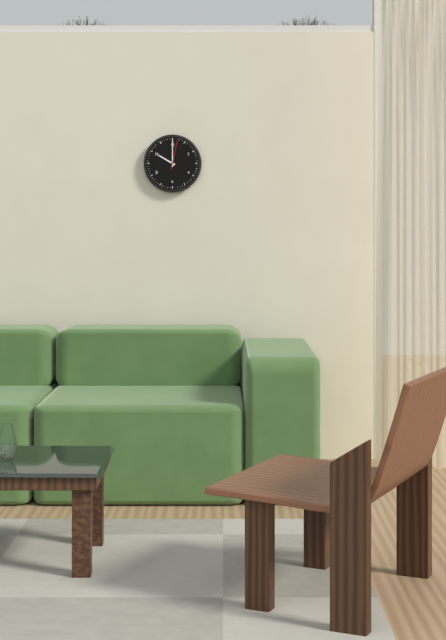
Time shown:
{"hour": 10, "minute": 0}
